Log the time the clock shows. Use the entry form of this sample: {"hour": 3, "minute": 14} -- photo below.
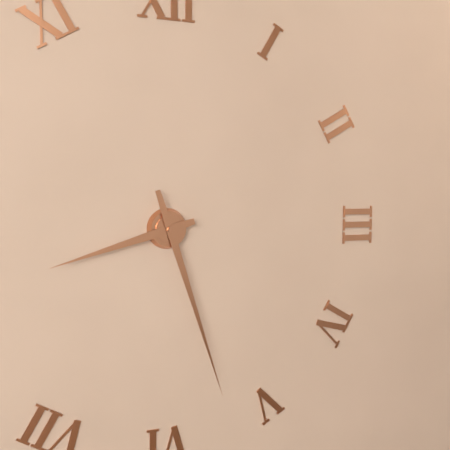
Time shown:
{"hour": 8, "minute": 27}
